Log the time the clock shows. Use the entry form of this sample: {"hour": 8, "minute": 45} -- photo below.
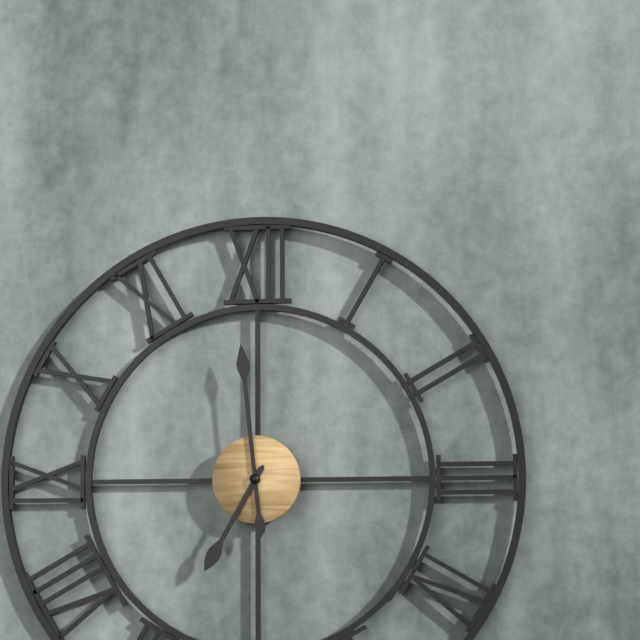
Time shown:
{"hour": 6, "minute": 59}
